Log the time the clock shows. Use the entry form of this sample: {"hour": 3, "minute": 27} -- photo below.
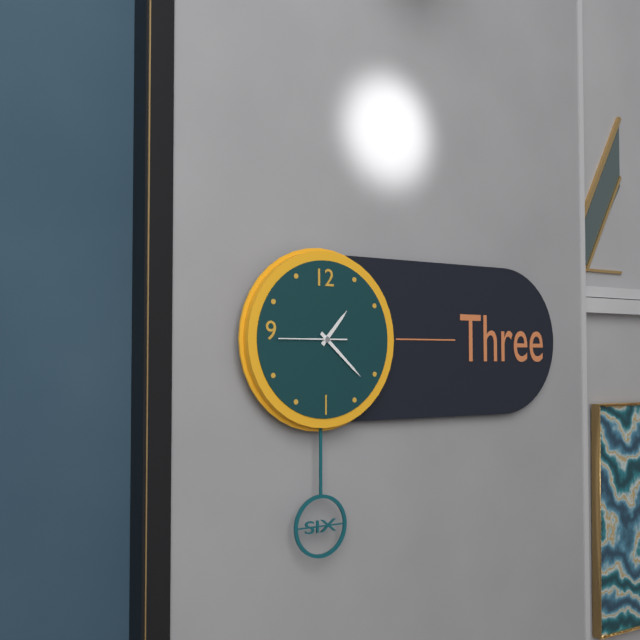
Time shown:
{"hour": 1, "minute": 22}
